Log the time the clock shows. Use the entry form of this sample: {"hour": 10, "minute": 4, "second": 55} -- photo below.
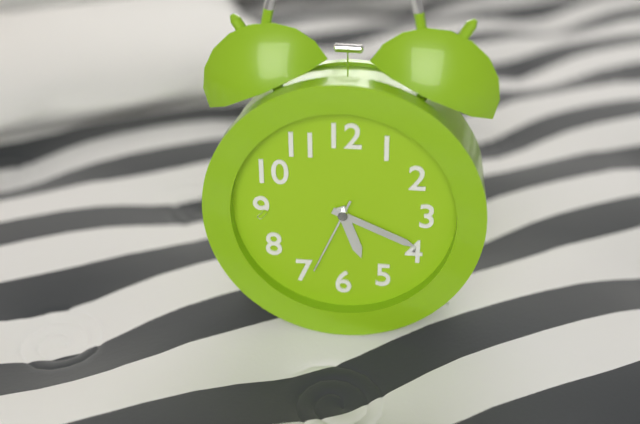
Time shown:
{"hour": 5, "minute": 19, "second": 34}
